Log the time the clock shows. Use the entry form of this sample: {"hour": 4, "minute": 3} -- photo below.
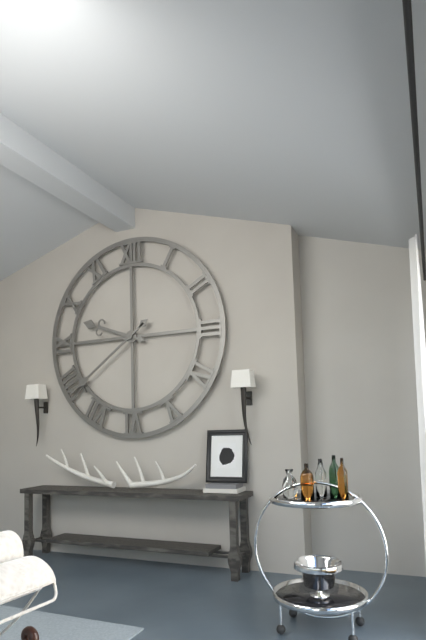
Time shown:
{"hour": 9, "minute": 39}
